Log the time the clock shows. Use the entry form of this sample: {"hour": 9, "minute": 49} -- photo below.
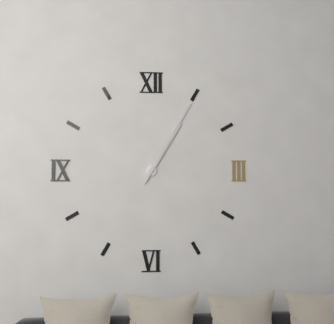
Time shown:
{"hour": 1, "minute": 5}
